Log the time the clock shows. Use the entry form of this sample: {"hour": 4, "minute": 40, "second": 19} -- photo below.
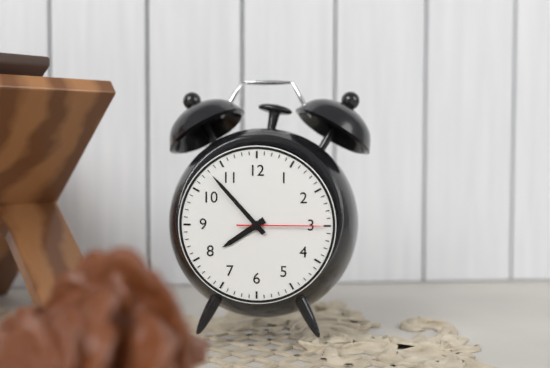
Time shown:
{"hour": 7, "minute": 53, "second": 15}
